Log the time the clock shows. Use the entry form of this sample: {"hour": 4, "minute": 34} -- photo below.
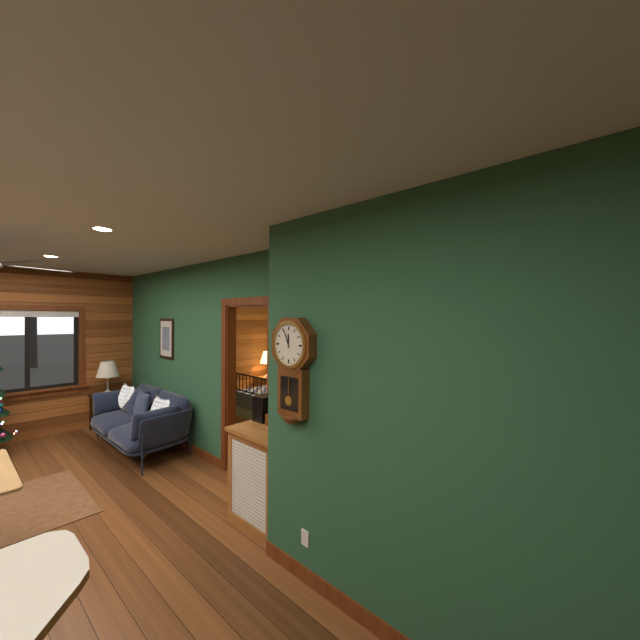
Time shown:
{"hour": 11, "minute": 56}
